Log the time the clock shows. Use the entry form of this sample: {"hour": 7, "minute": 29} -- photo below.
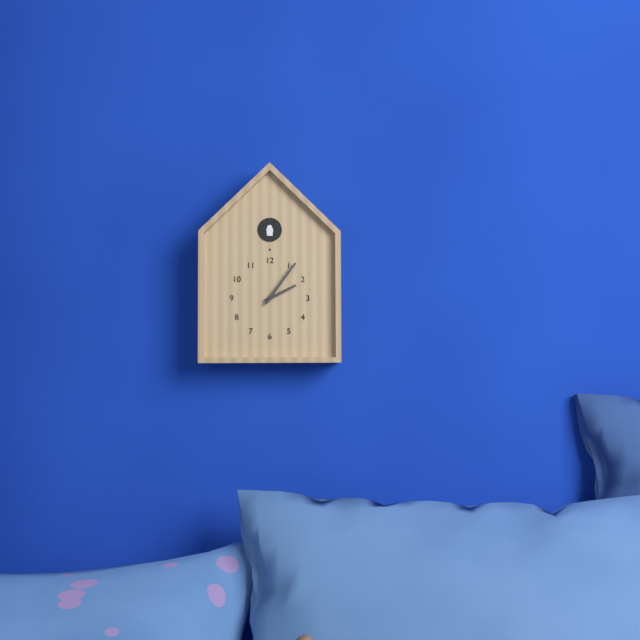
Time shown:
{"hour": 2, "minute": 6}
